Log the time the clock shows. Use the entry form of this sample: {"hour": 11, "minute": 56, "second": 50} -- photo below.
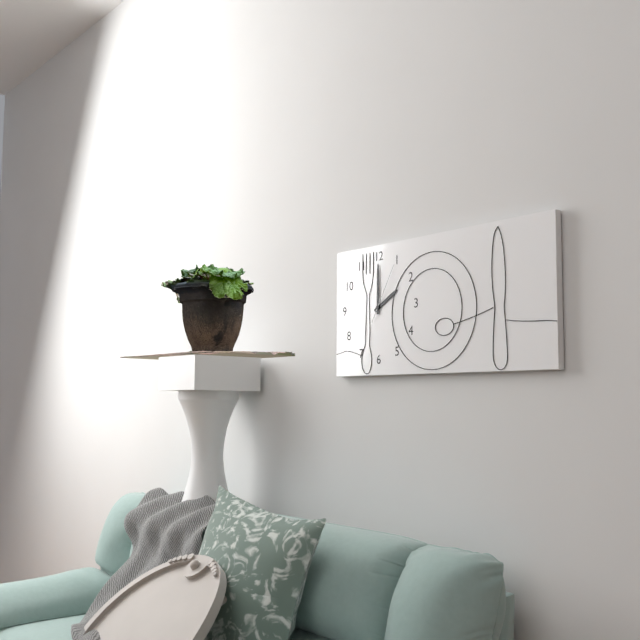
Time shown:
{"hour": 2, "minute": 0, "second": 5}
